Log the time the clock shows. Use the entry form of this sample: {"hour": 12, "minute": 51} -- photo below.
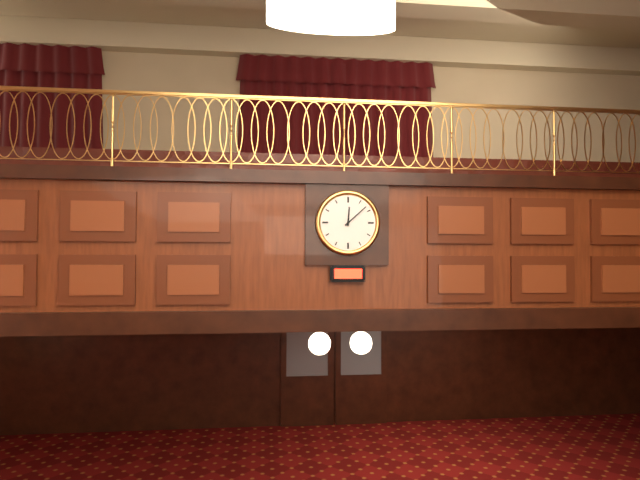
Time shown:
{"hour": 12, "minute": 8}
